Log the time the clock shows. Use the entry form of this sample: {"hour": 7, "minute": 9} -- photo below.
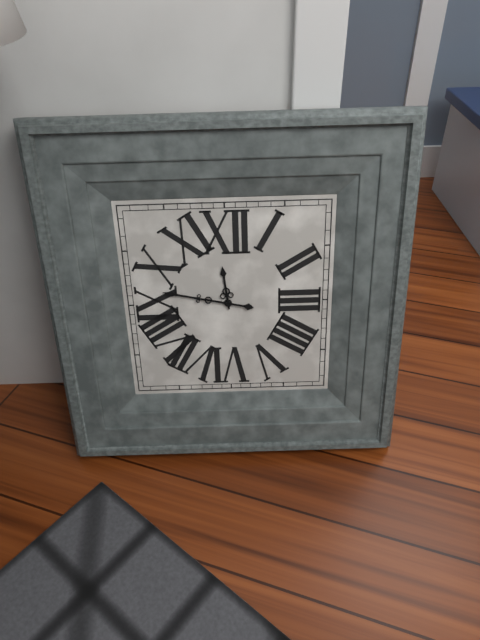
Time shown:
{"hour": 11, "minute": 47}
